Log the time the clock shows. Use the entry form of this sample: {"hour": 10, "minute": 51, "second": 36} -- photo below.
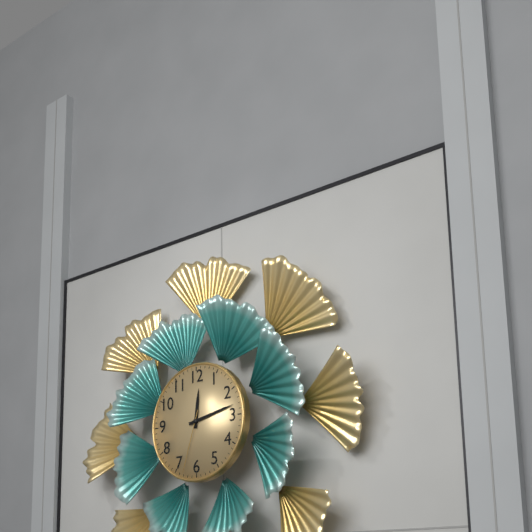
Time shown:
{"hour": 12, "minute": 13, "second": 33}
